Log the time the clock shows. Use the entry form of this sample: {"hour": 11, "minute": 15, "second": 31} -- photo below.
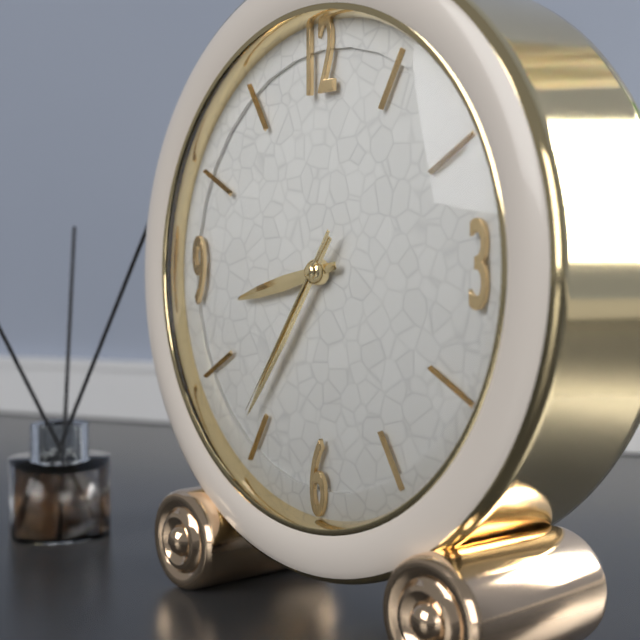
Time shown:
{"hour": 8, "minute": 36, "second": 36}
